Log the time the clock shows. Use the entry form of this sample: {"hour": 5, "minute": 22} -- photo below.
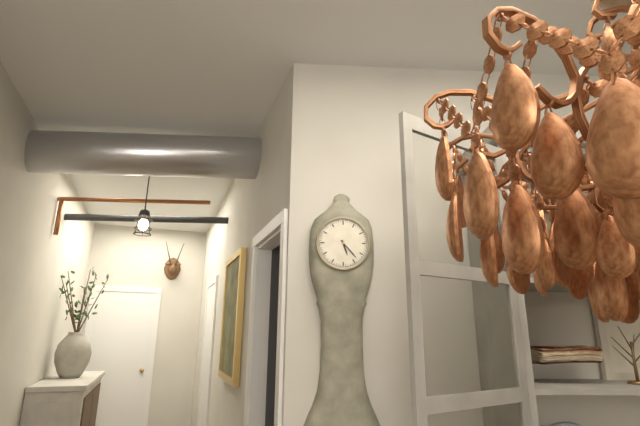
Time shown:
{"hour": 5, "minute": 23}
